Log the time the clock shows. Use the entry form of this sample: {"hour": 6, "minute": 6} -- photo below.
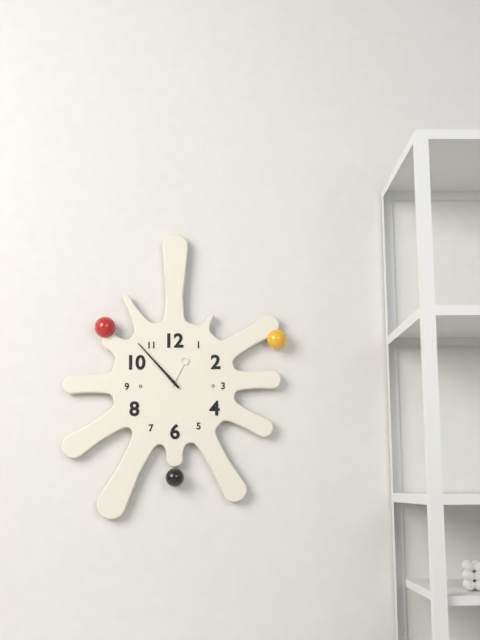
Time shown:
{"hour": 12, "minute": 53}
